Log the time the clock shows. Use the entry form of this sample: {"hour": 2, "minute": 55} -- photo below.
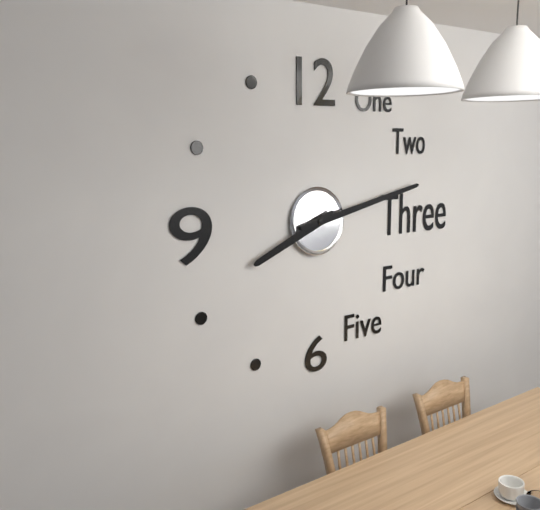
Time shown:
{"hour": 8, "minute": 13}
